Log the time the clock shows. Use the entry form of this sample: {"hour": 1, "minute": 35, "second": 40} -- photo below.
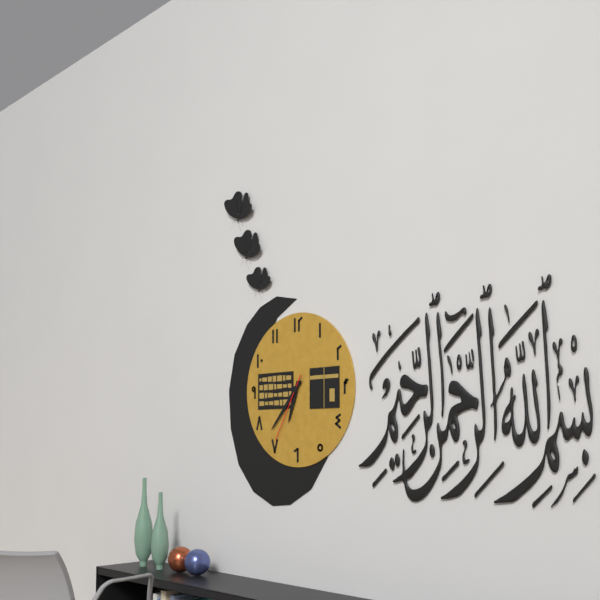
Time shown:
{"hour": 6, "minute": 37, "second": 35}
